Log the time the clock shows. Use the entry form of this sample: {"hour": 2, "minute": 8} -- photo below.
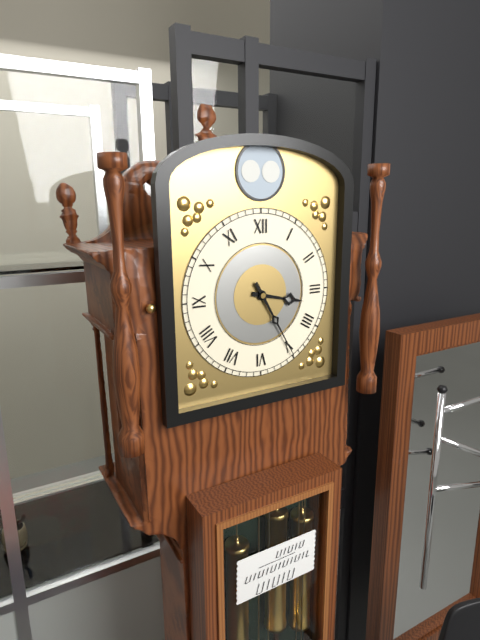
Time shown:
{"hour": 3, "minute": 25}
